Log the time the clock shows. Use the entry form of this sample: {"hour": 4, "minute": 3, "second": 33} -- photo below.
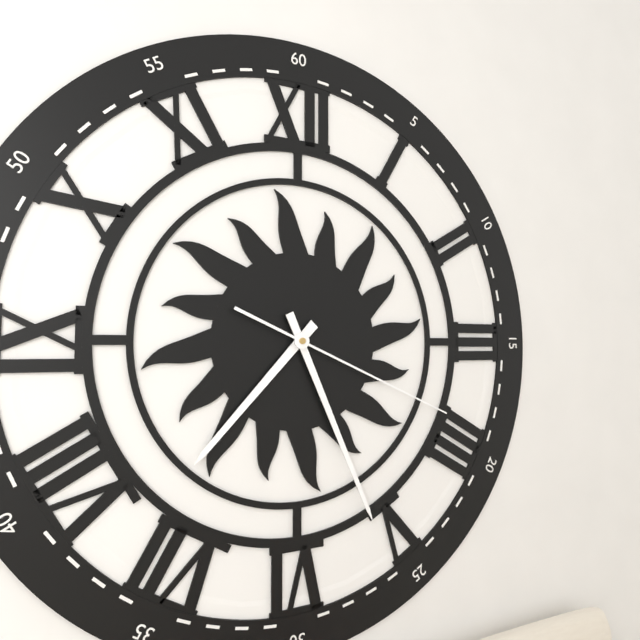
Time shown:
{"hour": 7, "minute": 26, "second": 19}
